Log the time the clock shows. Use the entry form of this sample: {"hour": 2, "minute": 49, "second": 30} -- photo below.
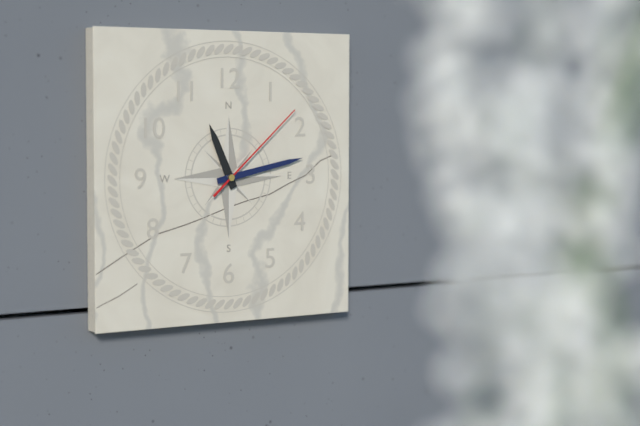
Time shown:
{"hour": 11, "minute": 13, "second": 8}
